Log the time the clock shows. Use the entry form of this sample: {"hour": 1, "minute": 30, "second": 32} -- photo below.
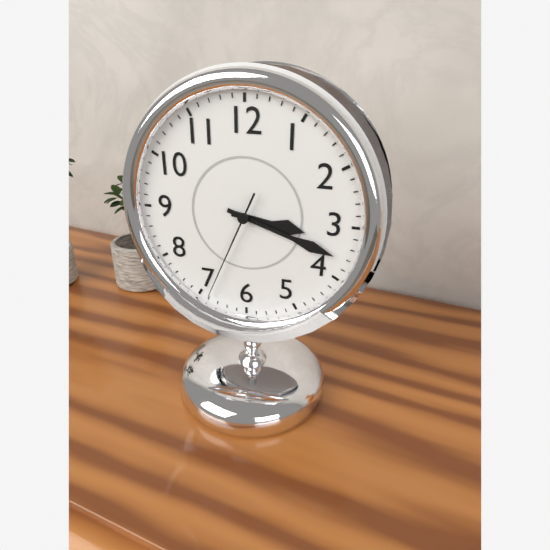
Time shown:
{"hour": 3, "minute": 18, "second": 34}
